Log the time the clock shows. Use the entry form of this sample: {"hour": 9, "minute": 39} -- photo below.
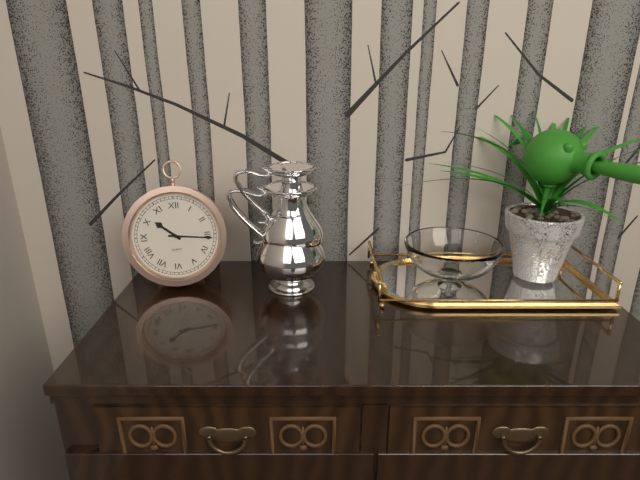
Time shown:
{"hour": 10, "minute": 16}
